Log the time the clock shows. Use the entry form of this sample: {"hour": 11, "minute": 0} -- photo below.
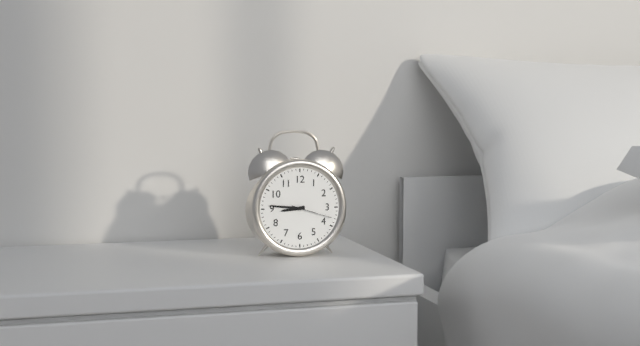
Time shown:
{"hour": 8, "minute": 46}
